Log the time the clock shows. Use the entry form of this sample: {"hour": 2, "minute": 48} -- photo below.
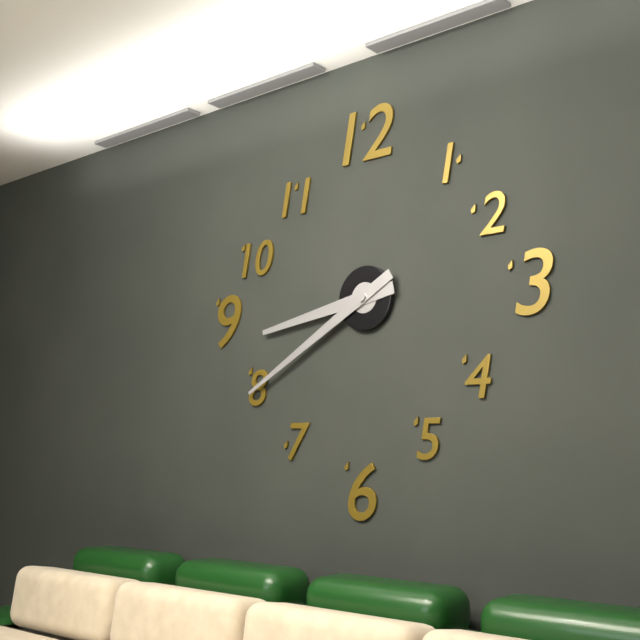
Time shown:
{"hour": 8, "minute": 40}
